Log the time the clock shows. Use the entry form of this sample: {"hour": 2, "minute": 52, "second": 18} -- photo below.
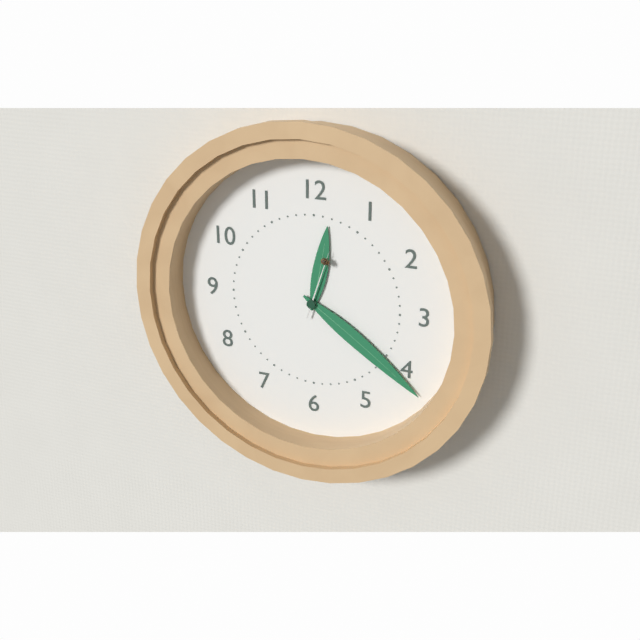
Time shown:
{"hour": 12, "minute": 21, "second": 3}
